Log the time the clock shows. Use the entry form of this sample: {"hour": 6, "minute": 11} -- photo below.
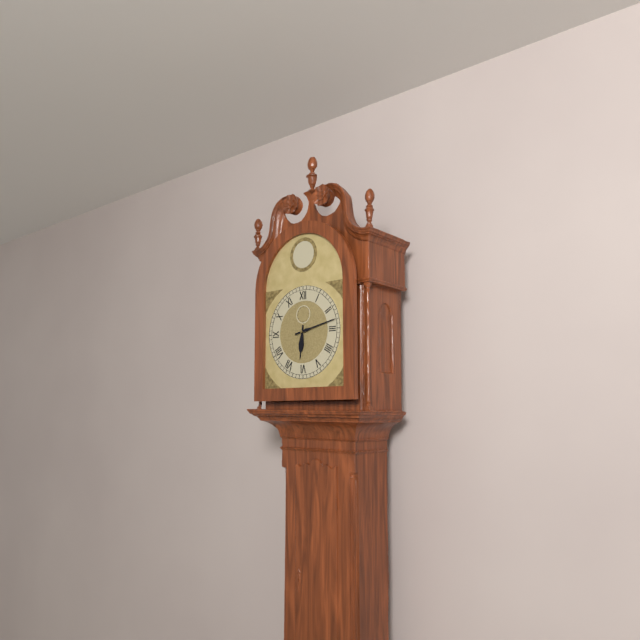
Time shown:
{"hour": 6, "minute": 13}
